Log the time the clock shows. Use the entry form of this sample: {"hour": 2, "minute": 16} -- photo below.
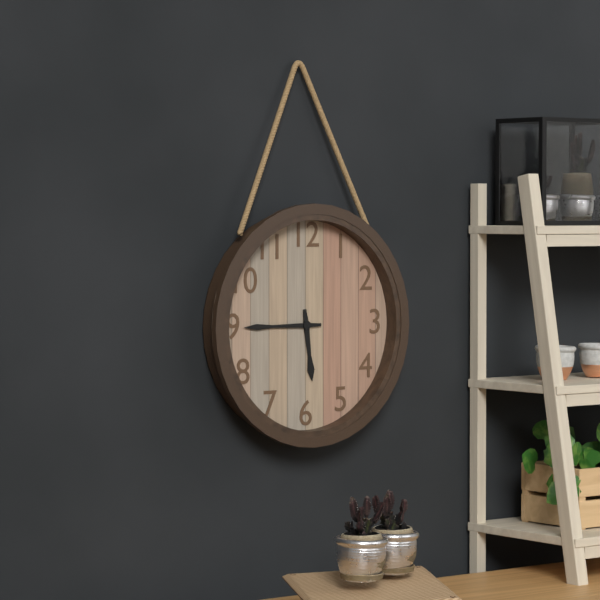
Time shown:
{"hour": 5, "minute": 45}
